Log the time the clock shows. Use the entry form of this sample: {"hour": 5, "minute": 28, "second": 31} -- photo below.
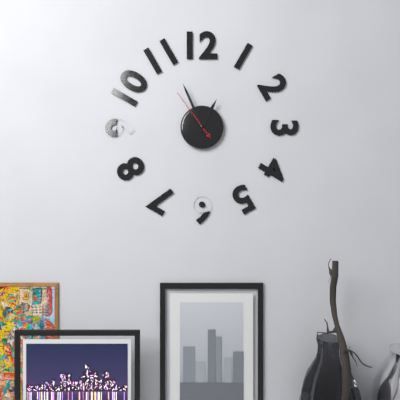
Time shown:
{"hour": 12, "minute": 56, "second": 54}
